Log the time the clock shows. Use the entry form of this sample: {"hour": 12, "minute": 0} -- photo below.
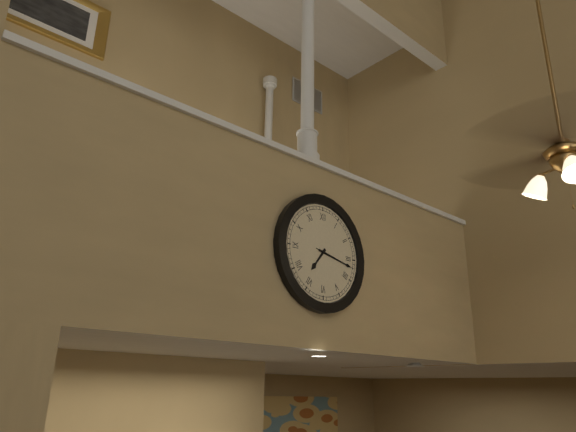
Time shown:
{"hour": 7, "minute": 17}
